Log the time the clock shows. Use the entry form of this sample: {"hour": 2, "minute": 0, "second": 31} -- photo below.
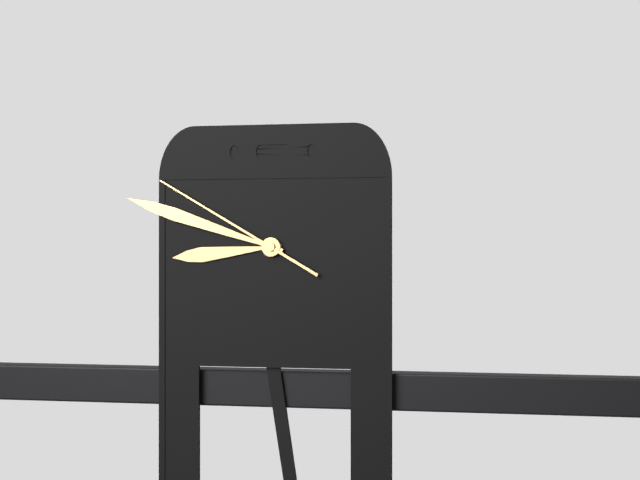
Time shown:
{"hour": 8, "minute": 48, "second": 50}
